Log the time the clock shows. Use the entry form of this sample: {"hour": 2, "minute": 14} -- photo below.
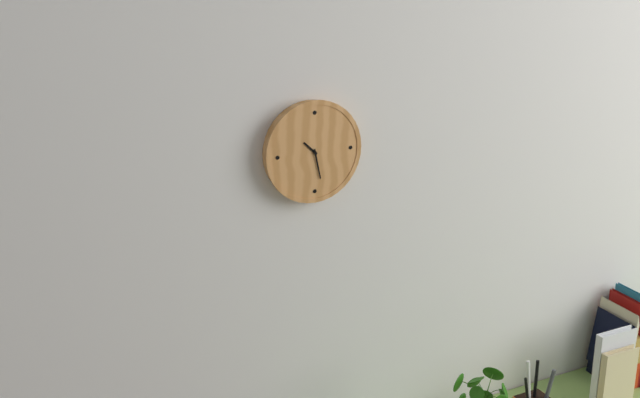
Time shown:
{"hour": 10, "minute": 28}
